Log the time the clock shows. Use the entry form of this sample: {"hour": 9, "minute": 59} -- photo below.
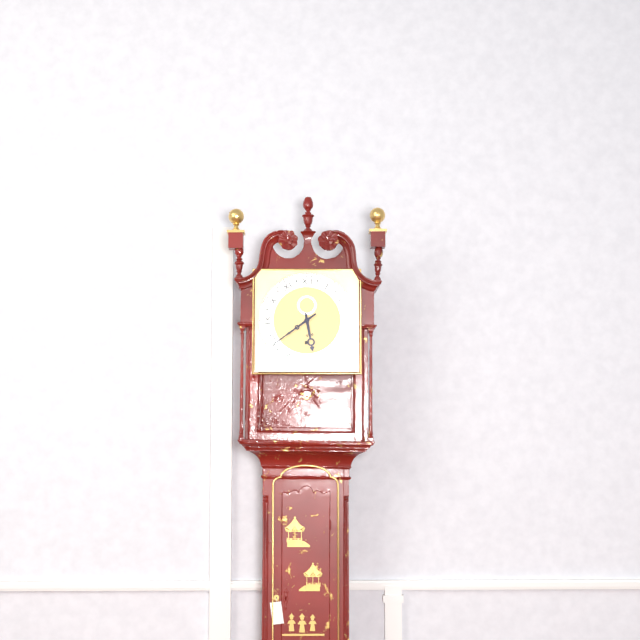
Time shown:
{"hour": 5, "minute": 39}
